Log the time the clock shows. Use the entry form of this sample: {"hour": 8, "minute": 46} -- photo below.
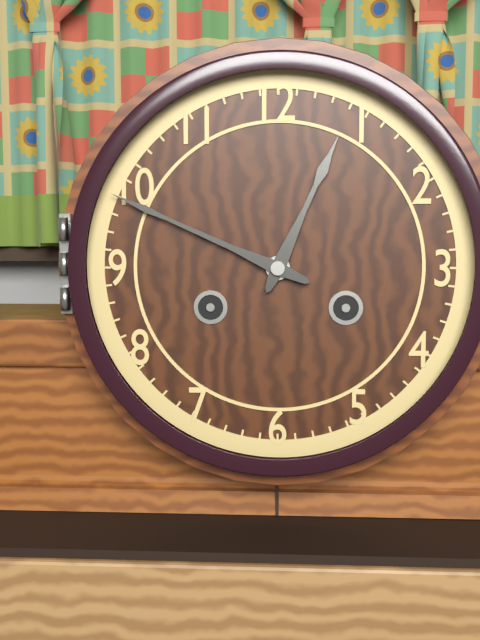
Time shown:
{"hour": 12, "minute": 49}
